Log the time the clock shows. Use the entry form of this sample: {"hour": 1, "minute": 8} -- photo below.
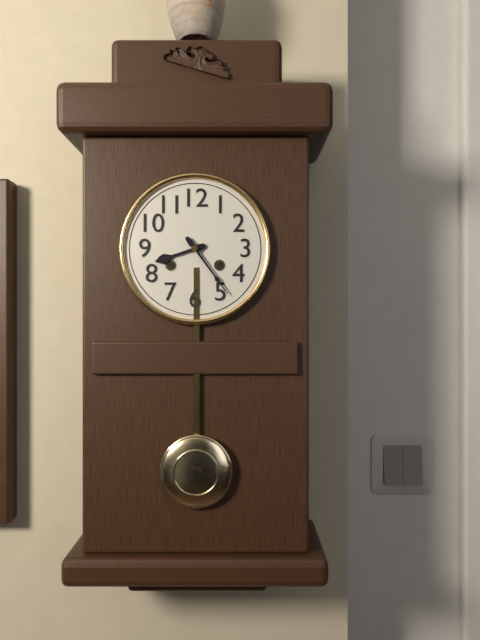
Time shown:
{"hour": 8, "minute": 24}
